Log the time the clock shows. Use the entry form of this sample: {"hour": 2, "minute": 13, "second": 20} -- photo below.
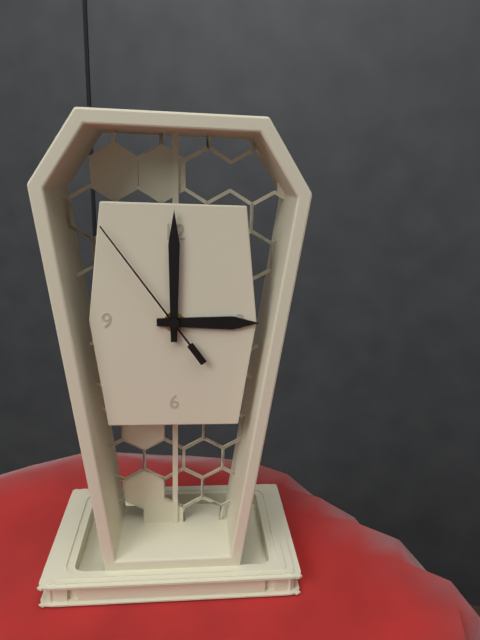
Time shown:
{"hour": 3, "minute": 0, "second": 54}
